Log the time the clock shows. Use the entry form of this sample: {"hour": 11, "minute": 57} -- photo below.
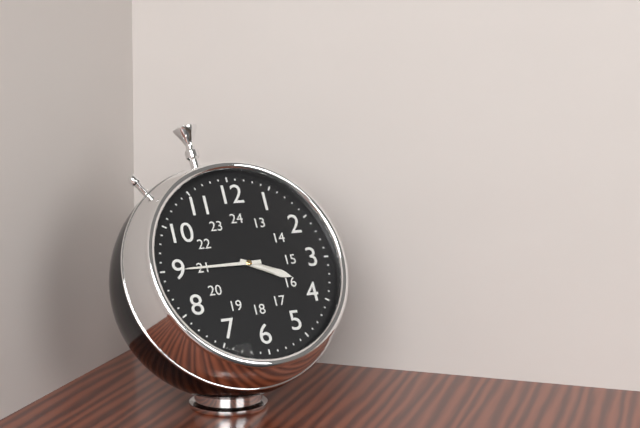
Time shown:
{"hour": 3, "minute": 45}
